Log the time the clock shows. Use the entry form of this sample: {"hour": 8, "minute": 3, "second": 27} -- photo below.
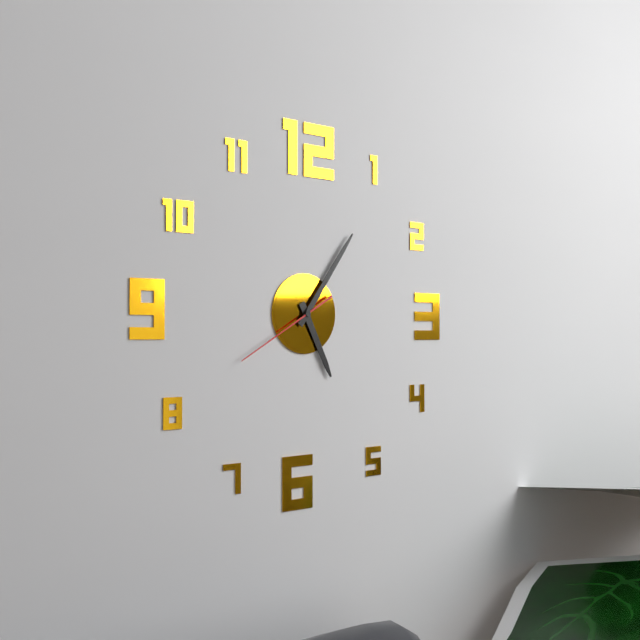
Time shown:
{"hour": 5, "minute": 6, "second": 40}
